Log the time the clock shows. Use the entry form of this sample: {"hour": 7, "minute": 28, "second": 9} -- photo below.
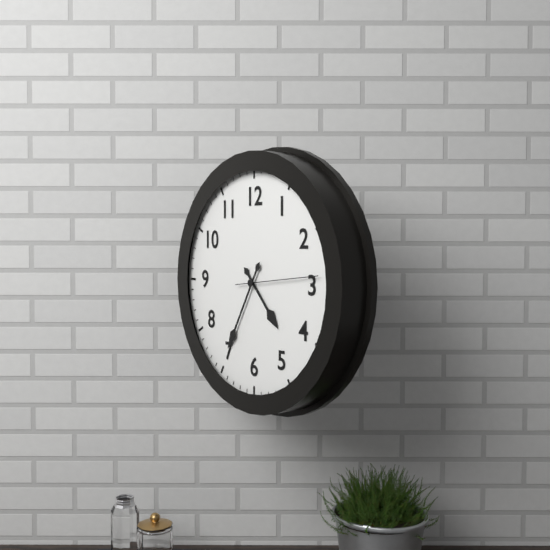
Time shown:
{"hour": 4, "minute": 35, "second": 14}
